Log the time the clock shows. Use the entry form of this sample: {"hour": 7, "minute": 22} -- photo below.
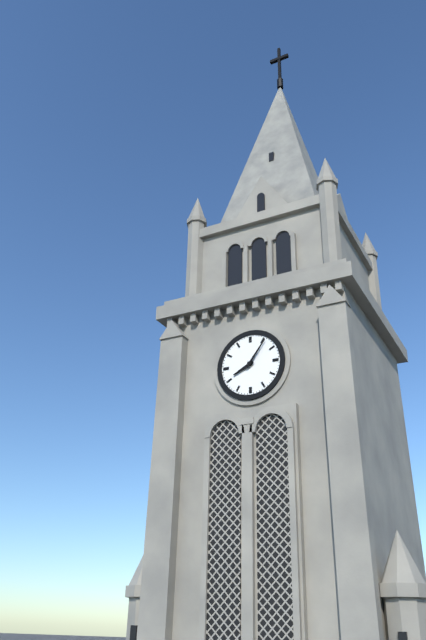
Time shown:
{"hour": 8, "minute": 6}
